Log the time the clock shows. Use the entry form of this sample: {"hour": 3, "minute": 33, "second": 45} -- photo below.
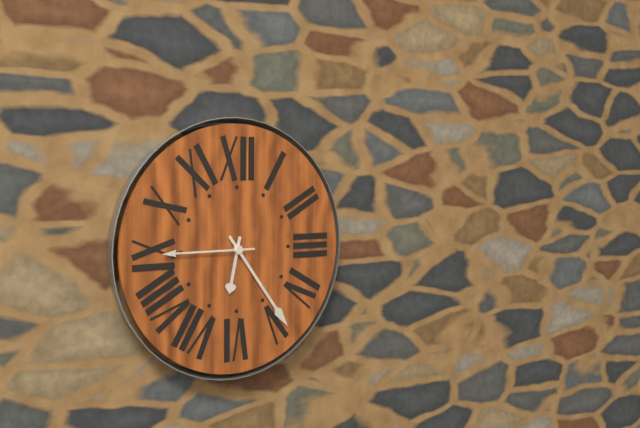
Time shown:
{"hour": 6, "minute": 24, "second": 45}
